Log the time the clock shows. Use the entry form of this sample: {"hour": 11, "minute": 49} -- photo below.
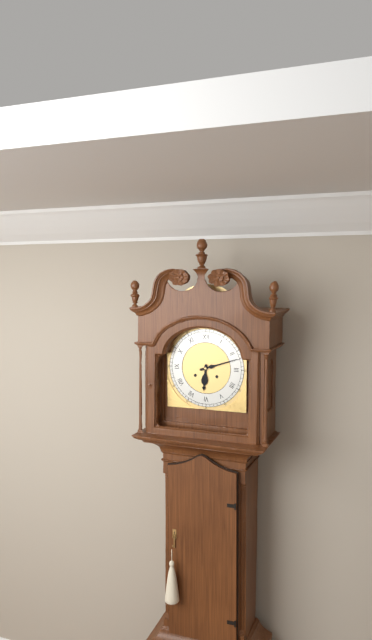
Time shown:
{"hour": 6, "minute": 12}
